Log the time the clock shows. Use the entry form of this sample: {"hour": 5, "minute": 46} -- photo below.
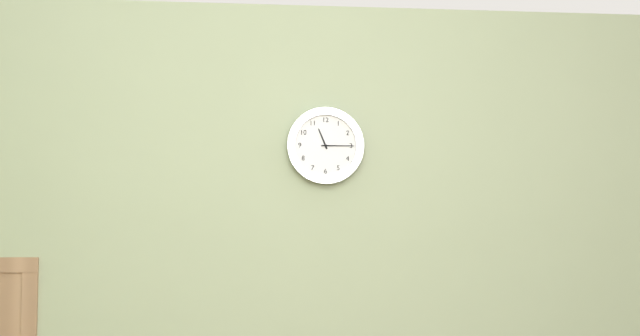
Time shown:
{"hour": 11, "minute": 15}
